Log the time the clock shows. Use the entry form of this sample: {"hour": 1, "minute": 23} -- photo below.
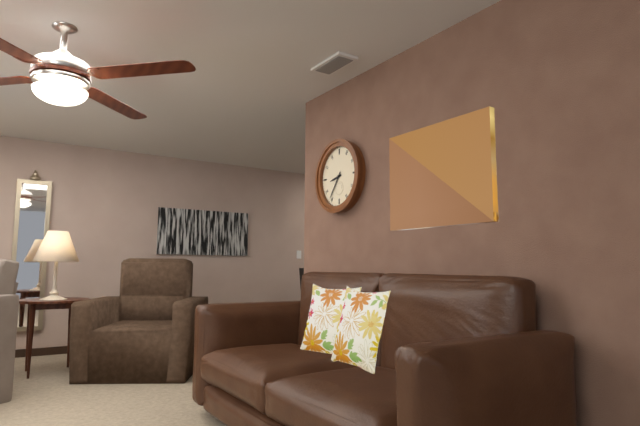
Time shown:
{"hour": 8, "minute": 36}
